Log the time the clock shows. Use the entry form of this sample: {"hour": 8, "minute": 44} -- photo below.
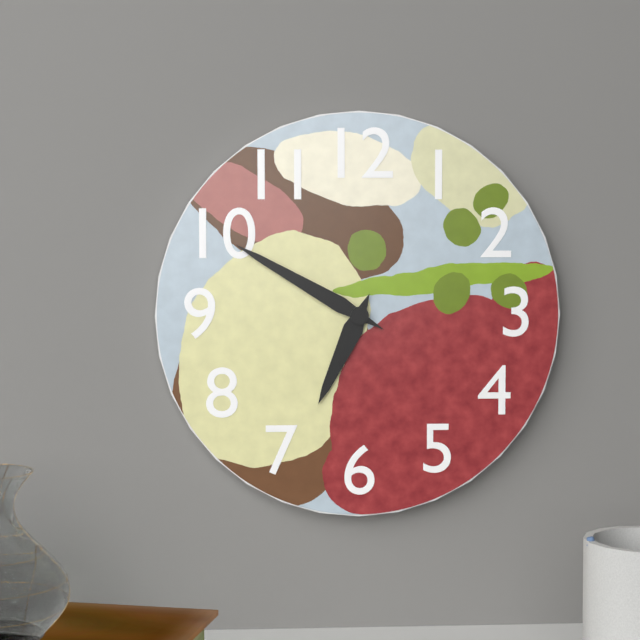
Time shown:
{"hour": 6, "minute": 50}
